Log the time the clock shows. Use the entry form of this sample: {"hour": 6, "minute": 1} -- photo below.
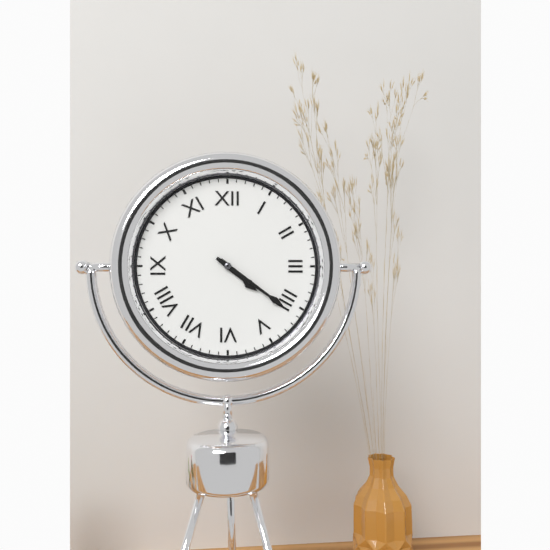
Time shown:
{"hour": 4, "minute": 21}
